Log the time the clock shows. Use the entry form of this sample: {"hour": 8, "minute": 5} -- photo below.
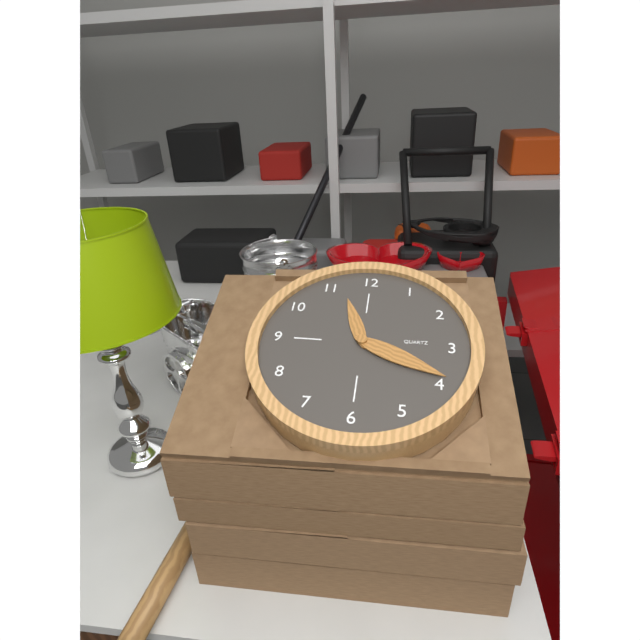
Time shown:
{"hour": 11, "minute": 19}
